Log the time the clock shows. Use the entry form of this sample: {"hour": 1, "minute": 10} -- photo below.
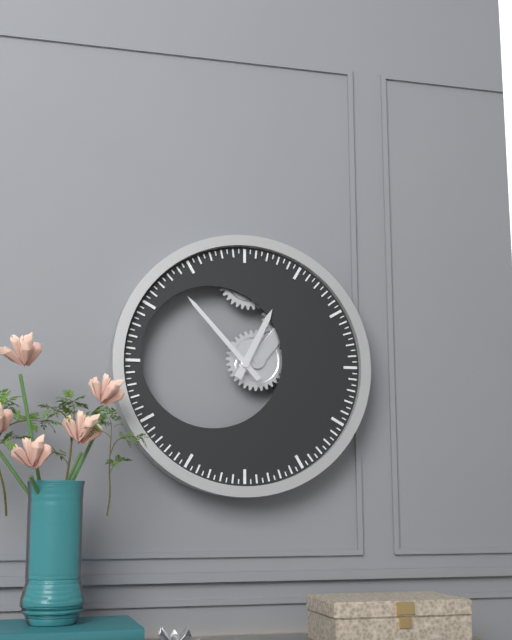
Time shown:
{"hour": 12, "minute": 53}
